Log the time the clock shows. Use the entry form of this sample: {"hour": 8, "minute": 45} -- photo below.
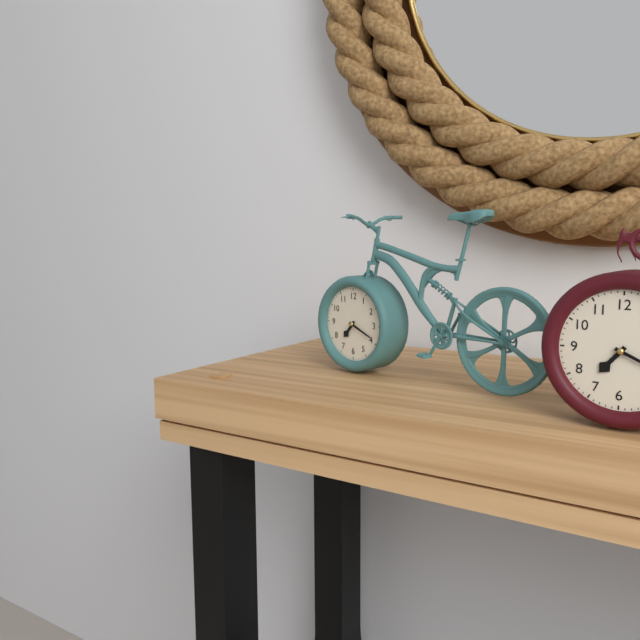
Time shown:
{"hour": 7, "minute": 19}
